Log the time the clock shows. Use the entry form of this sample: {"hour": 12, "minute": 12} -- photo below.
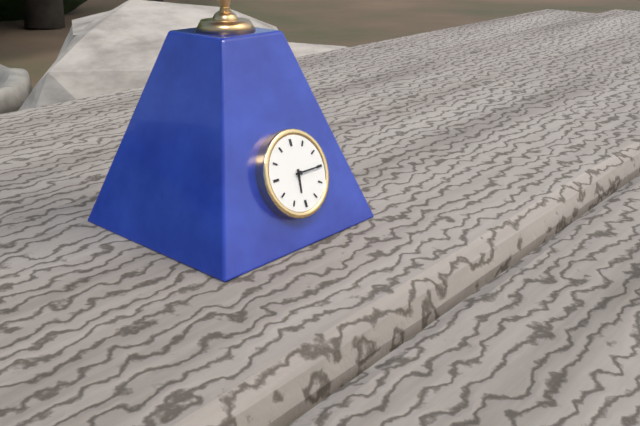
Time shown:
{"hour": 6, "minute": 15}
